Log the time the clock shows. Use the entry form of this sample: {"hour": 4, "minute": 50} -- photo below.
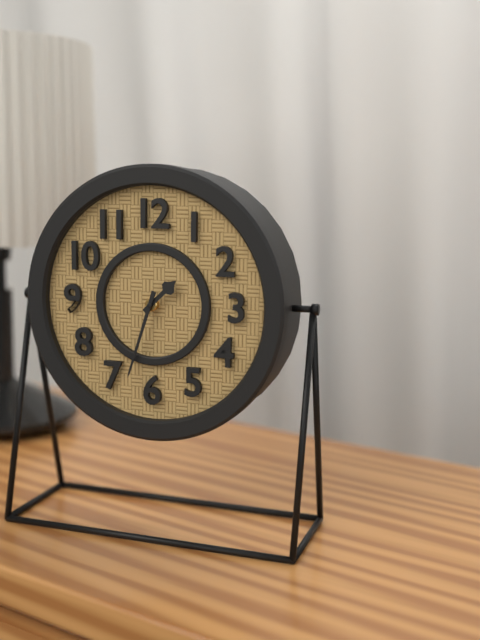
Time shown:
{"hour": 1, "minute": 33}
